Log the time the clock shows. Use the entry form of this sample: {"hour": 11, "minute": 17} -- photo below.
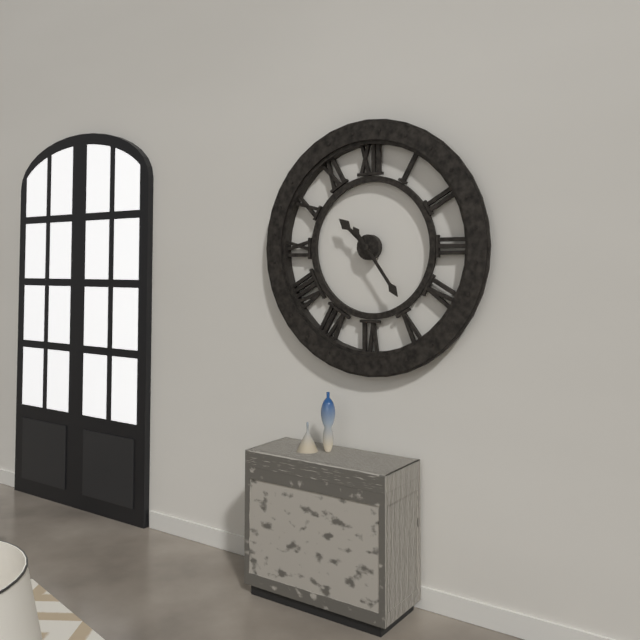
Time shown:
{"hour": 10, "minute": 24}
